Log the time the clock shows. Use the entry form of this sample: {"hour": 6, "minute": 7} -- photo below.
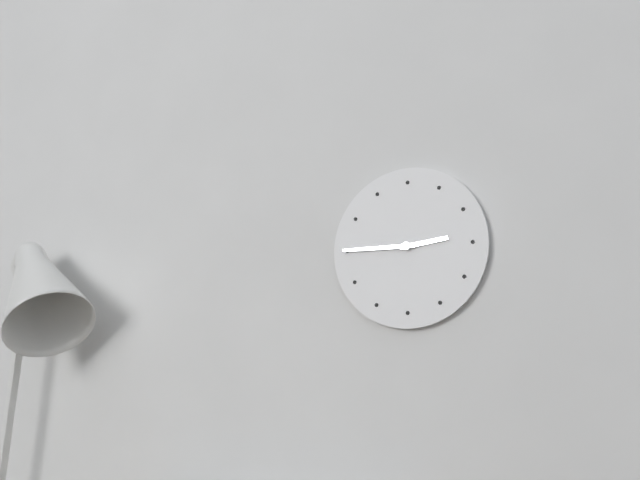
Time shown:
{"hour": 2, "minute": 45}
